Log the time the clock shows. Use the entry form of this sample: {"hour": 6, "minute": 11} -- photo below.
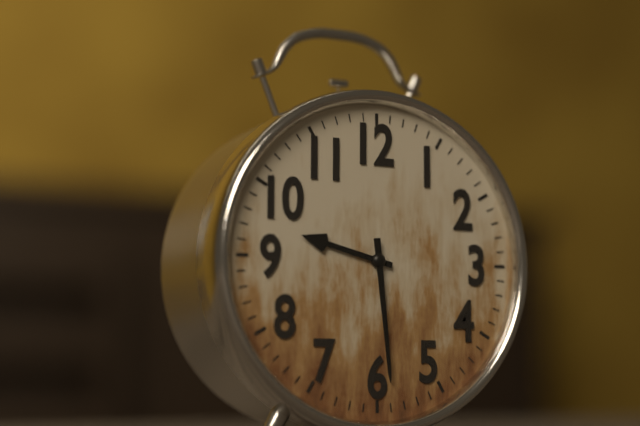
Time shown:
{"hour": 9, "minute": 29}
